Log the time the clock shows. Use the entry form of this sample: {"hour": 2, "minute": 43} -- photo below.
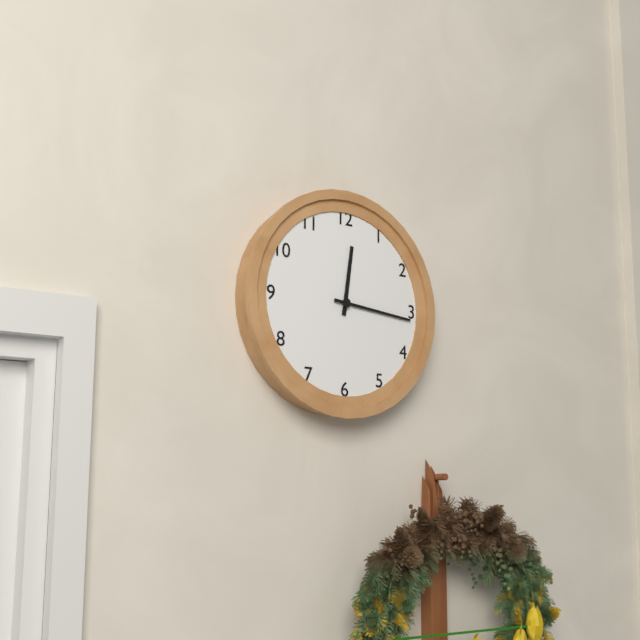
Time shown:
{"hour": 12, "minute": 16}
